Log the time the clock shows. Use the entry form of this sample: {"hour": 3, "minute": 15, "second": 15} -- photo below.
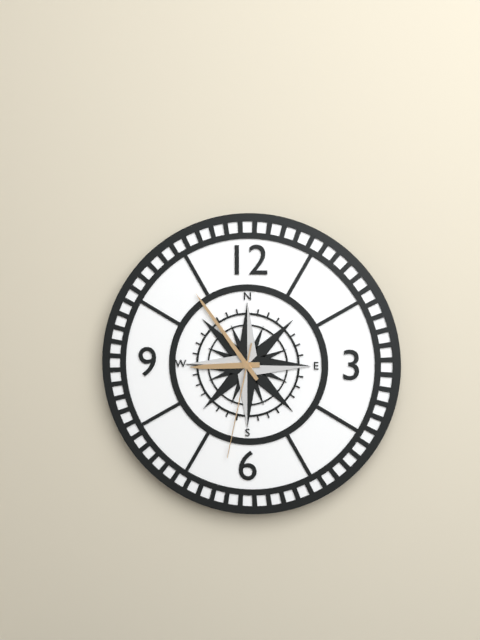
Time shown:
{"hour": 8, "minute": 54, "second": 32}
